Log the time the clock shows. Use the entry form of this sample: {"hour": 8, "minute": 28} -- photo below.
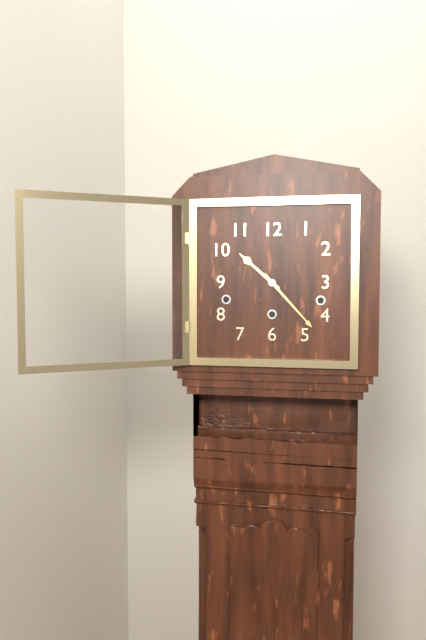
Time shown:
{"hour": 10, "minute": 23}
